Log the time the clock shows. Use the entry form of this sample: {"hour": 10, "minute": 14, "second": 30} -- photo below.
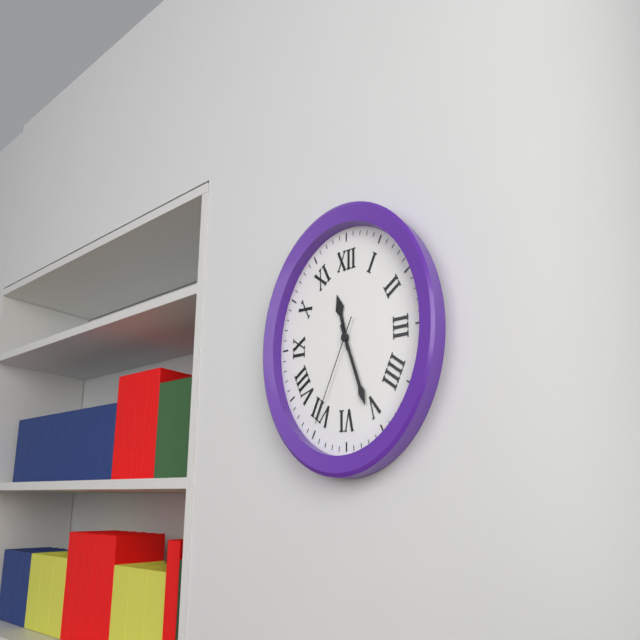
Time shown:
{"hour": 11, "minute": 26, "second": 35}
